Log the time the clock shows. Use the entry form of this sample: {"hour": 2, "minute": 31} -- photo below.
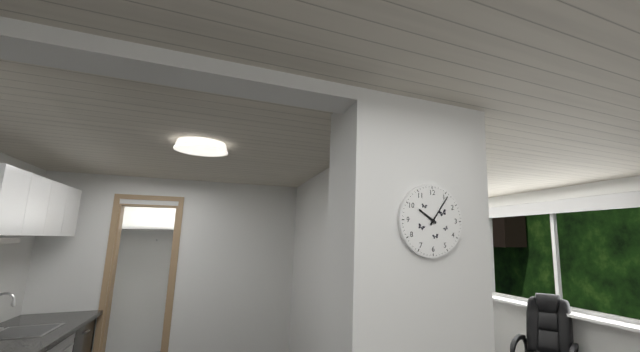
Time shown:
{"hour": 10, "minute": 6}
